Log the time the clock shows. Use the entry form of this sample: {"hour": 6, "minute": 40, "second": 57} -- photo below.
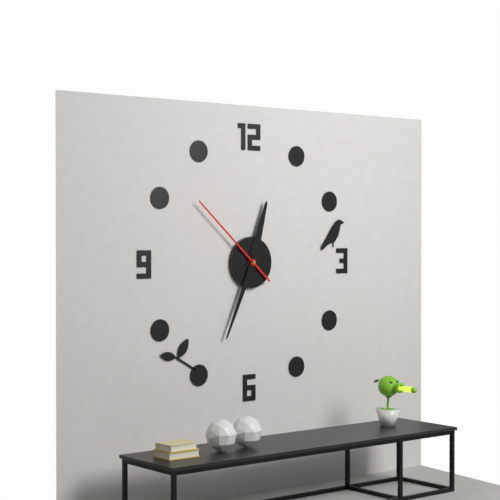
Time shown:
{"hour": 12, "minute": 34, "second": 52}
